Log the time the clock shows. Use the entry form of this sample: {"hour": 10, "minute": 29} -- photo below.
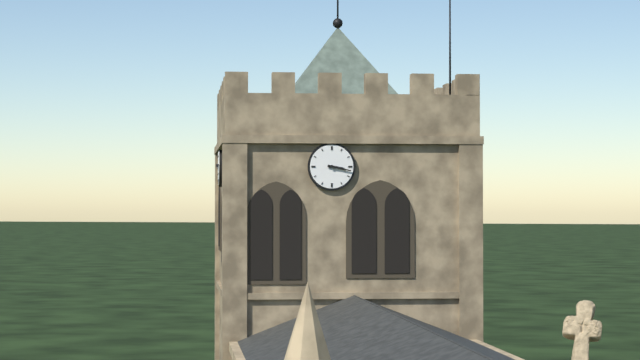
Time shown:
{"hour": 3, "minute": 17}
